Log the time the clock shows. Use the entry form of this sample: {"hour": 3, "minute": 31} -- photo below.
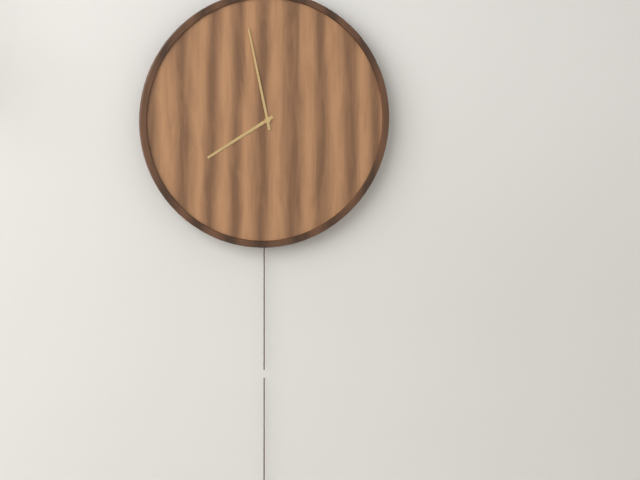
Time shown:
{"hour": 7, "minute": 58}
